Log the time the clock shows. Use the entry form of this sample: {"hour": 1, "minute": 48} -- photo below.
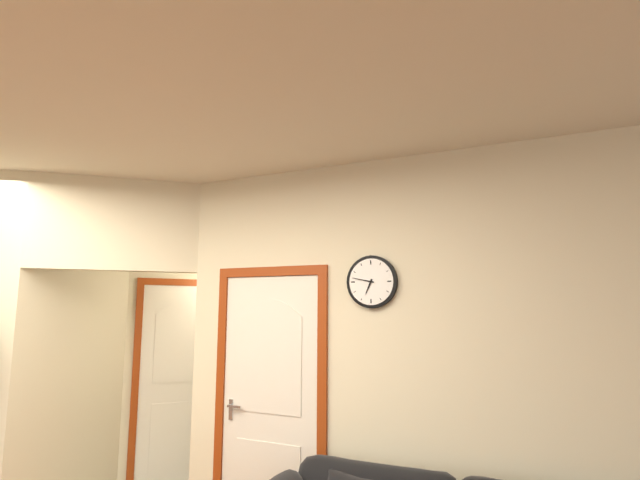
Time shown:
{"hour": 6, "minute": 47}
